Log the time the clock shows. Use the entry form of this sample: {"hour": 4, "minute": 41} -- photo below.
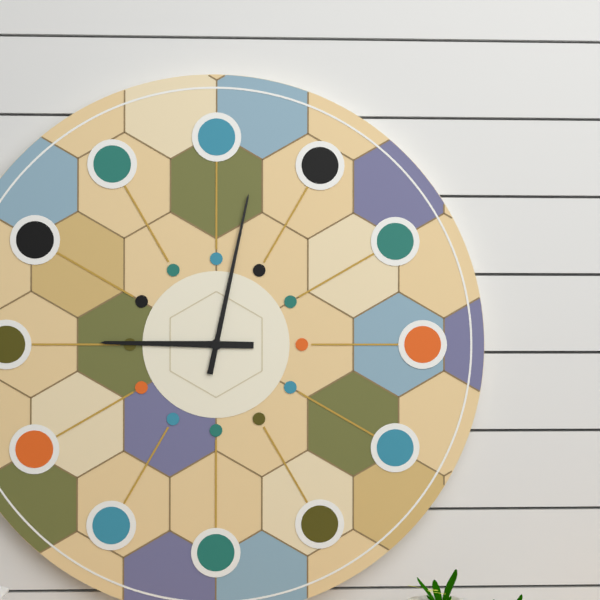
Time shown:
{"hour": 9, "minute": 2}
